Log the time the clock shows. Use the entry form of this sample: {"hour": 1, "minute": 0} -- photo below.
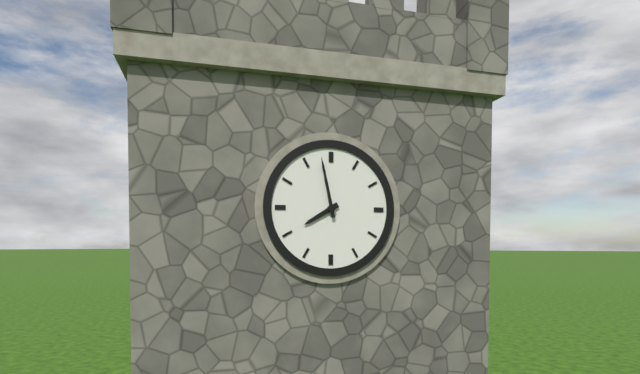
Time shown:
{"hour": 7, "minute": 58}
